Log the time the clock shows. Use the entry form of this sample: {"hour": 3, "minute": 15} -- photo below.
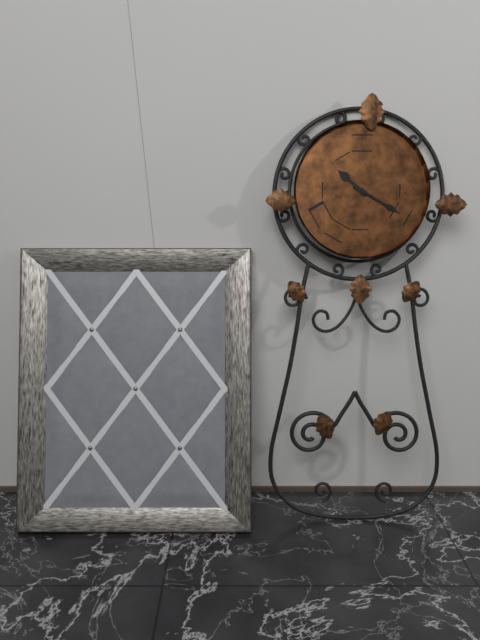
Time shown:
{"hour": 10, "minute": 20}
